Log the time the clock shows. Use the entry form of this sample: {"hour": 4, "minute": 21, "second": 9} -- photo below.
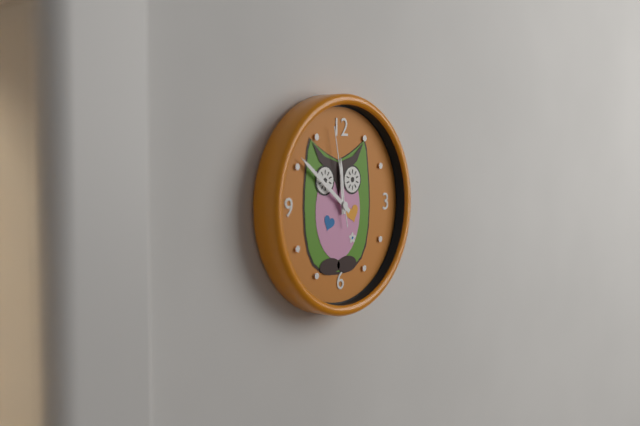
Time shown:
{"hour": 11, "minute": 51, "second": 58}
